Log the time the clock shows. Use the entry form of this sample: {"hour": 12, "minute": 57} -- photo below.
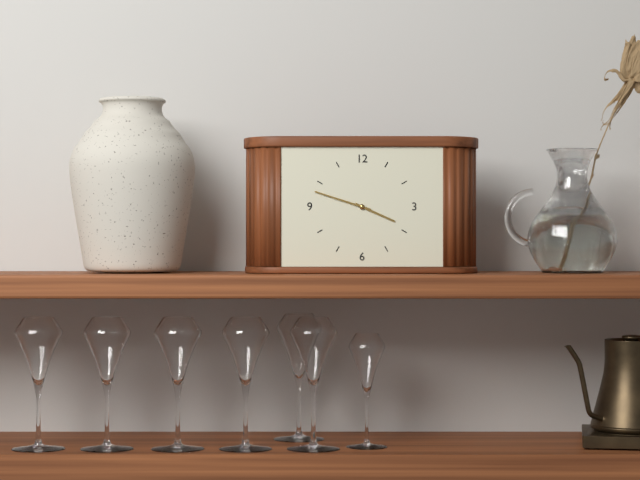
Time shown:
{"hour": 3, "minute": 48}
